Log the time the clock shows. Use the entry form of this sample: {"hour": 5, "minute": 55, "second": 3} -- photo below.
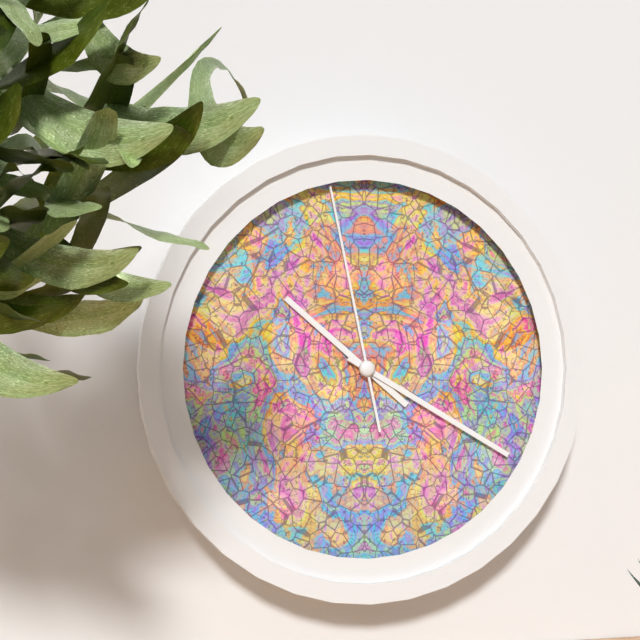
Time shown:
{"hour": 10, "minute": 20, "second": 58}
